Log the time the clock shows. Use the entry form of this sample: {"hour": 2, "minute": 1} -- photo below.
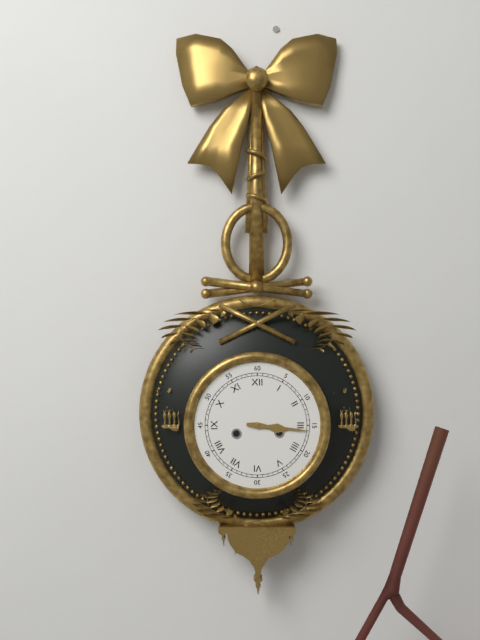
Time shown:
{"hour": 3, "minute": 16}
